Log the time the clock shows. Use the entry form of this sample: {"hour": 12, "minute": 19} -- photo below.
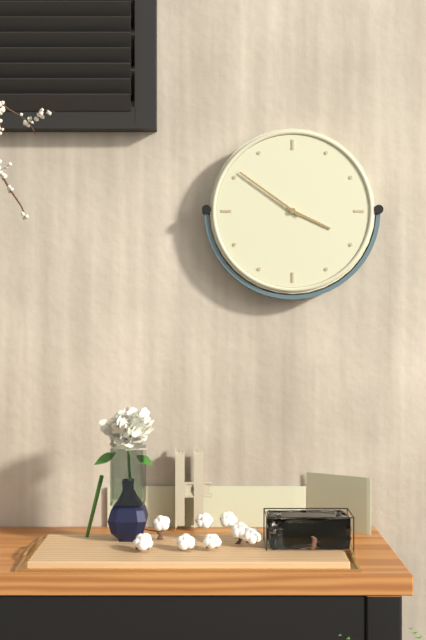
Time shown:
{"hour": 3, "minute": 51}
